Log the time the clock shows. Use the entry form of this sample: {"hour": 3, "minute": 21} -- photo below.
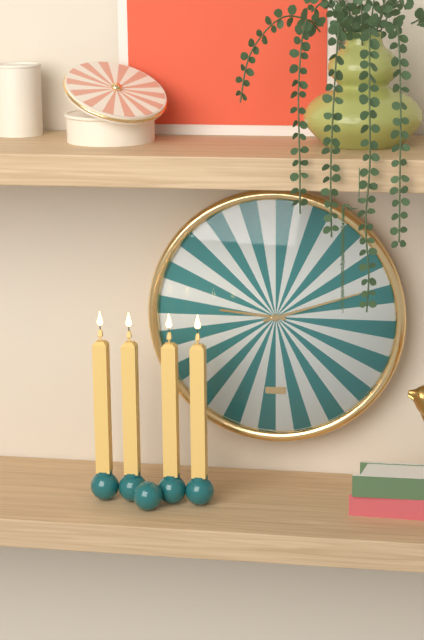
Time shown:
{"hour": 9, "minute": 12}
